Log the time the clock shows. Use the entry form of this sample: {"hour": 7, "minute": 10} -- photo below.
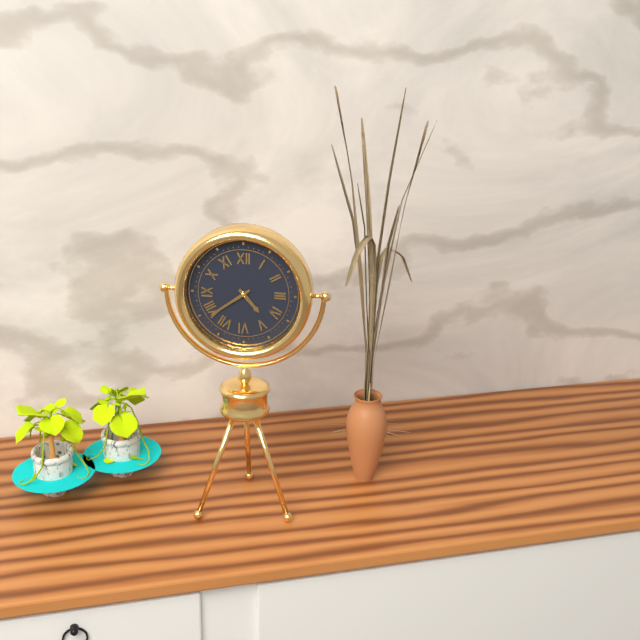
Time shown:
{"hour": 4, "minute": 39}
